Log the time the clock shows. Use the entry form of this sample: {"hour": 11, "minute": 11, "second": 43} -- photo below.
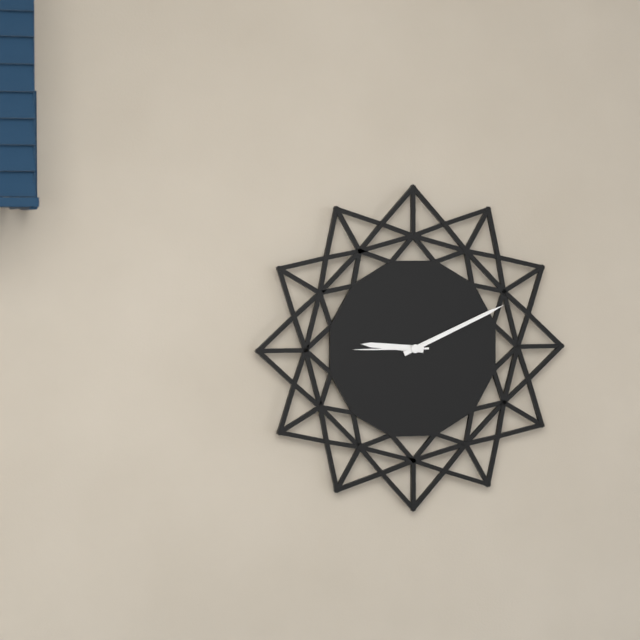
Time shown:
{"hour": 9, "minute": 11, "second": 45}
